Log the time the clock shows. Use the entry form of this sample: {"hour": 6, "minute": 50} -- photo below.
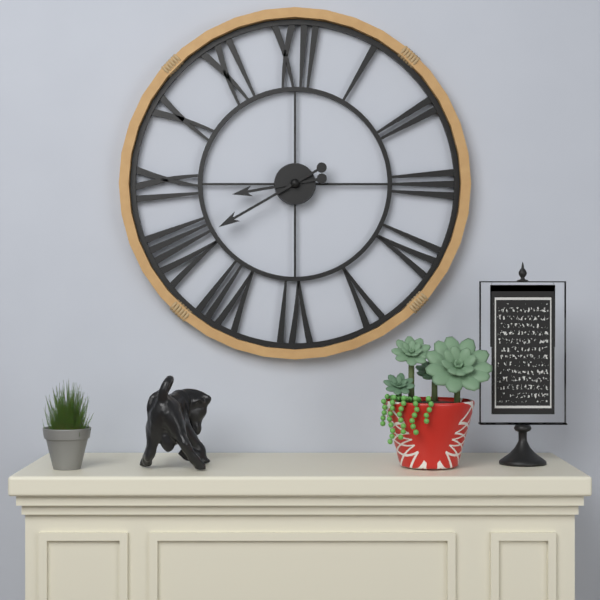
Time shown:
{"hour": 8, "minute": 40}
